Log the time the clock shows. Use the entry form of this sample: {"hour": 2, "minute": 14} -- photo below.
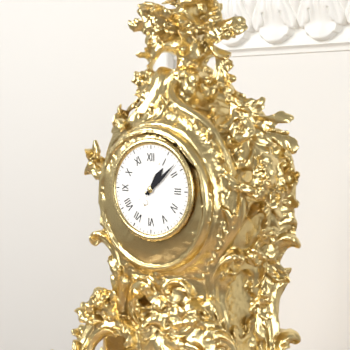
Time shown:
{"hour": 1, "minute": 8}
